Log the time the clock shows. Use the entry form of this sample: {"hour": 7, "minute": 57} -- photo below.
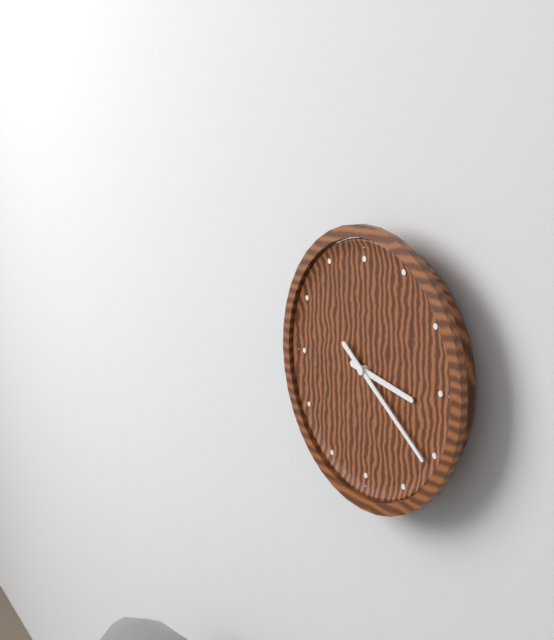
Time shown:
{"hour": 3, "minute": 21}
